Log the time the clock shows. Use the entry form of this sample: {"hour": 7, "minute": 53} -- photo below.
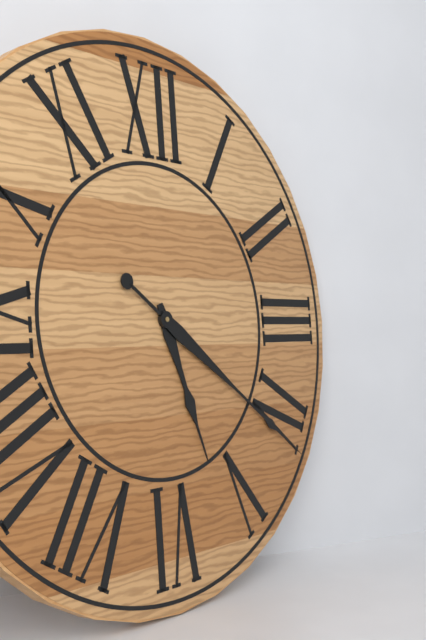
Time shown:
{"hour": 5, "minute": 21}
